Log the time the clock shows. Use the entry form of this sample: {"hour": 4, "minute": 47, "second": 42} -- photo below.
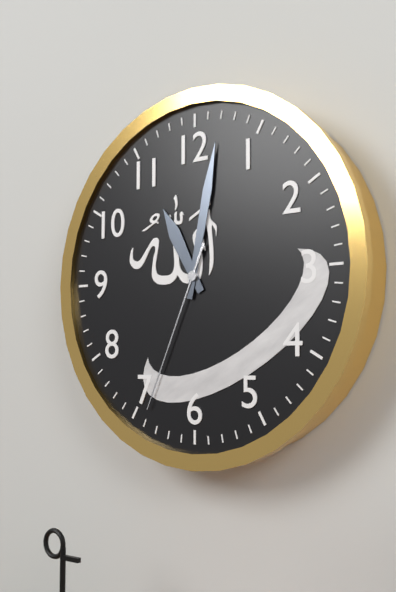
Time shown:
{"hour": 11, "minute": 2, "second": 34}
